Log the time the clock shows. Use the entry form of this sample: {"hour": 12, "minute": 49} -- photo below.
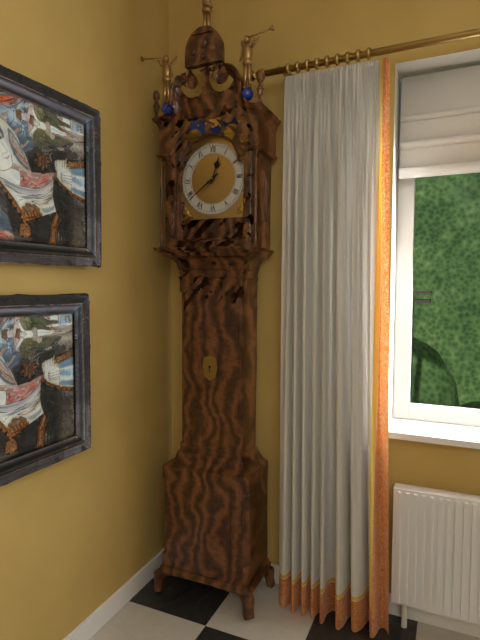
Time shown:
{"hour": 12, "minute": 39}
